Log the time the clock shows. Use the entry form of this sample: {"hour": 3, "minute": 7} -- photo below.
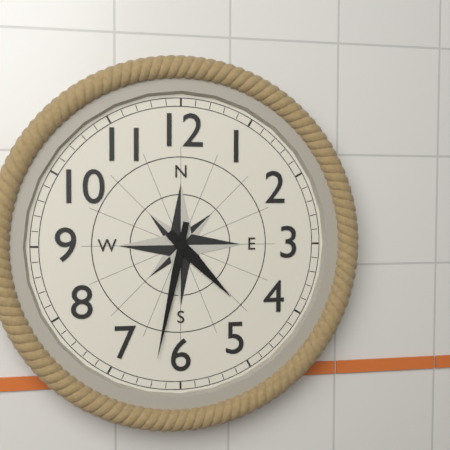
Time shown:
{"hour": 4, "minute": 32}
